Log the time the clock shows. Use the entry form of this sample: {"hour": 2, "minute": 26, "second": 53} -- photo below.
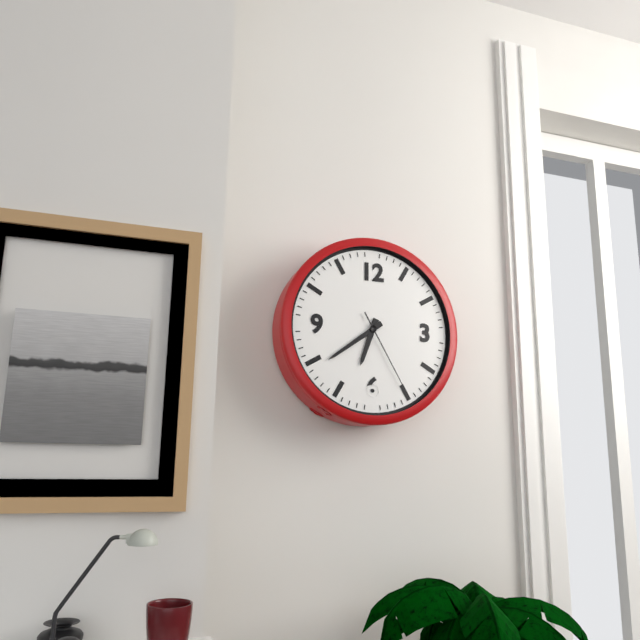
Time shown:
{"hour": 6, "minute": 39, "second": 25}
